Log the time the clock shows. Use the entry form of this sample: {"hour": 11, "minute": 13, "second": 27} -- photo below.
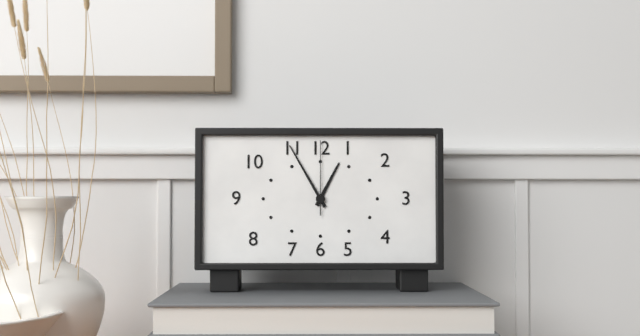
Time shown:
{"hour": 12, "minute": 55, "second": 0}
